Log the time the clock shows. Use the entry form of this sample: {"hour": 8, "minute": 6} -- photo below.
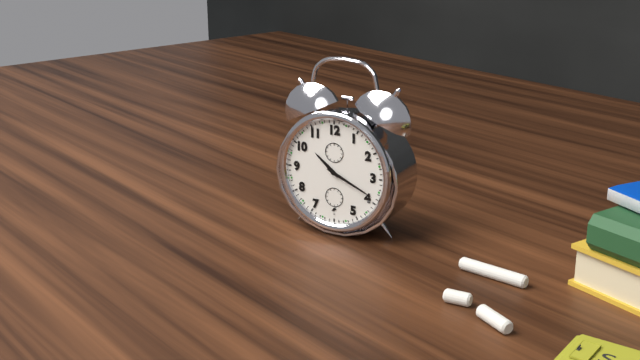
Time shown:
{"hour": 10, "minute": 19}
